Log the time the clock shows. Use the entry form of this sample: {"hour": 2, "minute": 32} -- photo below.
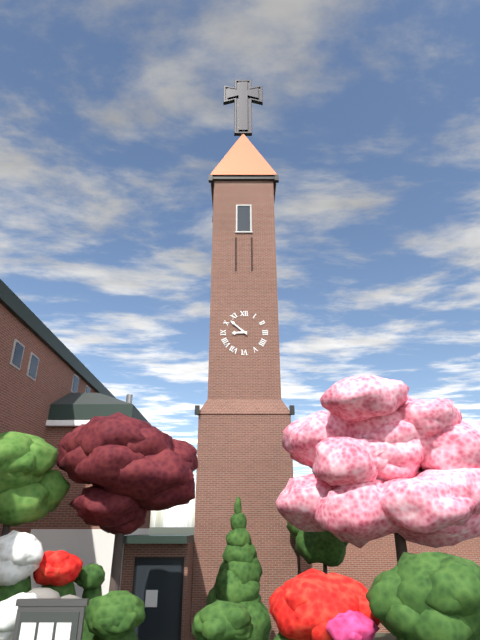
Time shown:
{"hour": 8, "minute": 52}
